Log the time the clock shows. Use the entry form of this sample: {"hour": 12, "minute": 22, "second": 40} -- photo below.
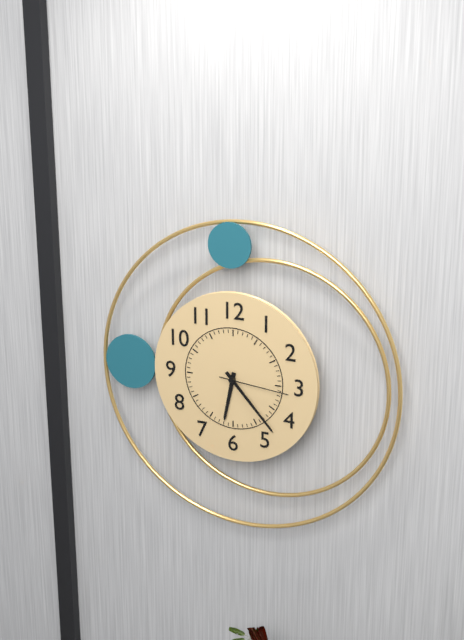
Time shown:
{"hour": 6, "minute": 23, "second": 16}
